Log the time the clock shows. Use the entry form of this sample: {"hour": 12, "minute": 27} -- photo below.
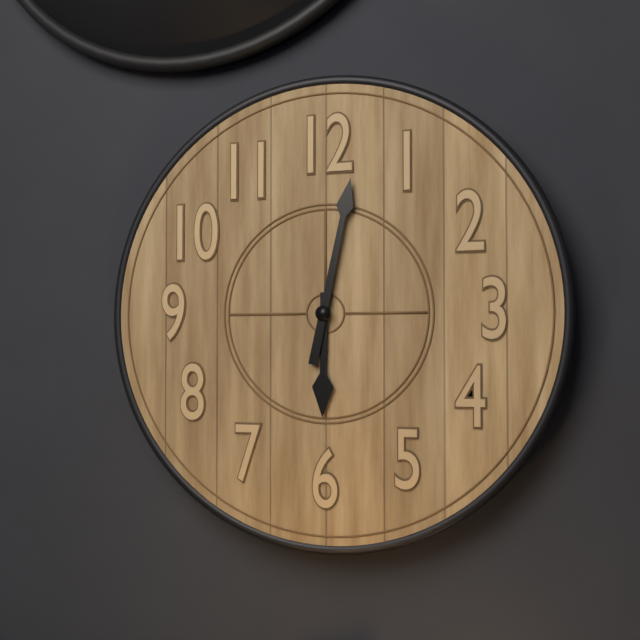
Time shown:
{"hour": 6, "minute": 2}
